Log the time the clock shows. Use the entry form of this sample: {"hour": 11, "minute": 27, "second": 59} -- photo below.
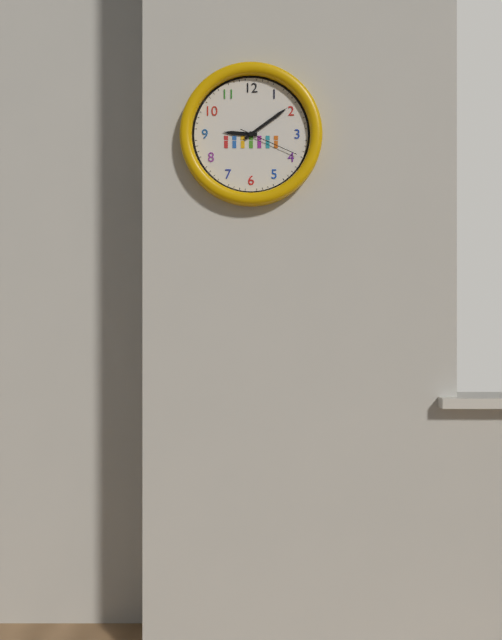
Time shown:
{"hour": 9, "minute": 9, "second": 19}
